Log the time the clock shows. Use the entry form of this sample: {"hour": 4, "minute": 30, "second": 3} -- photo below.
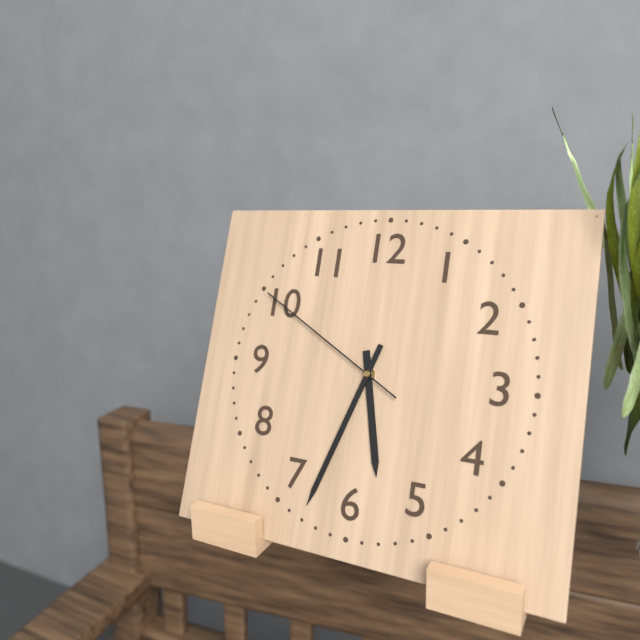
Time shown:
{"hour": 5, "minute": 33, "second": 50}
